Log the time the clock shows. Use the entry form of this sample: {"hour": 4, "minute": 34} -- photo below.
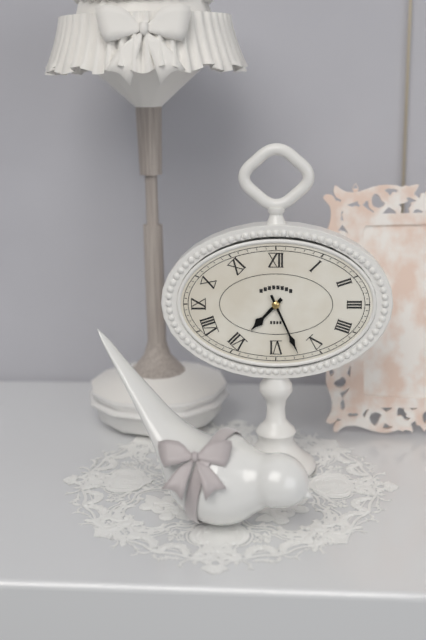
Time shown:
{"hour": 7, "minute": 26}
